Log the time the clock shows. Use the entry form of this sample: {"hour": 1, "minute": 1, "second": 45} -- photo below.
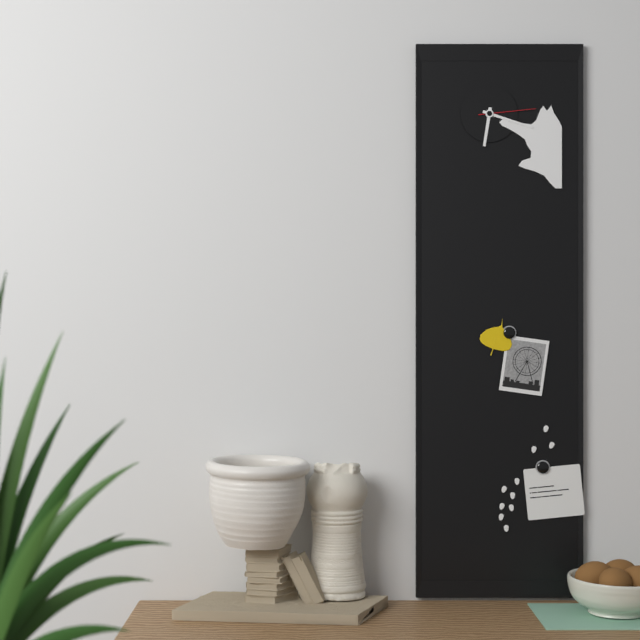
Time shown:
{"hour": 6, "minute": 18, "second": 14}
